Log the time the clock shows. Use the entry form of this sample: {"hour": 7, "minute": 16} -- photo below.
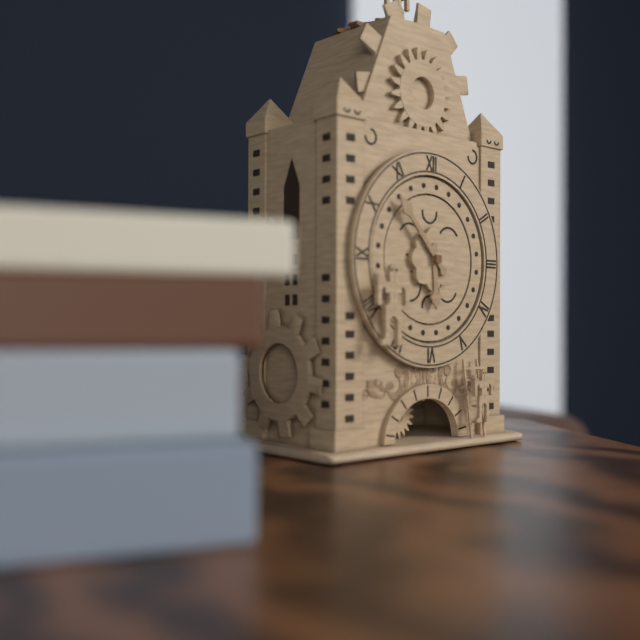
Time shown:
{"hour": 5, "minute": 53}
